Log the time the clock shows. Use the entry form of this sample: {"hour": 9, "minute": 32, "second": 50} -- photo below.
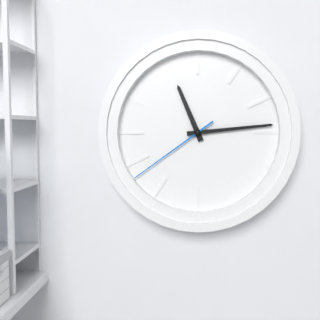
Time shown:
{"hour": 11, "minute": 14, "second": 39}
